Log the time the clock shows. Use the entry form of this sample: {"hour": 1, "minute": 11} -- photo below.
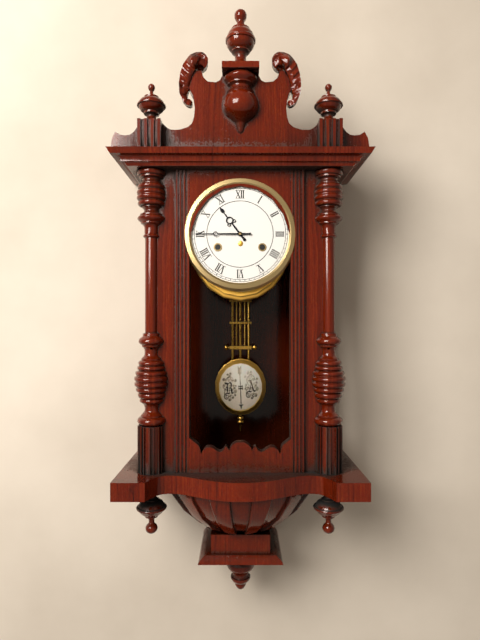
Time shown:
{"hour": 10, "minute": 45}
